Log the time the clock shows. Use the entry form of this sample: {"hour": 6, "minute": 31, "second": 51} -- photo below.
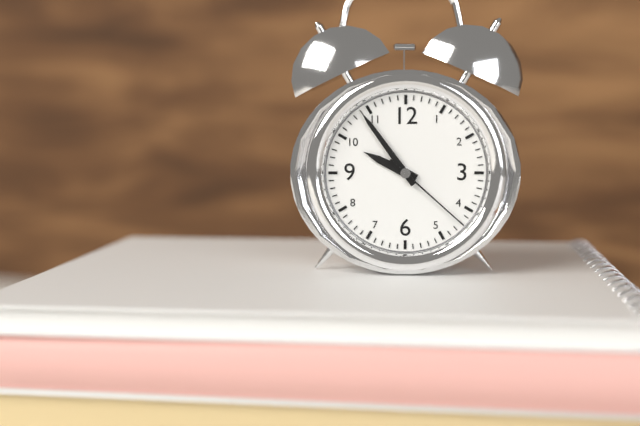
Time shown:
{"hour": 9, "minute": 54, "second": 22}
